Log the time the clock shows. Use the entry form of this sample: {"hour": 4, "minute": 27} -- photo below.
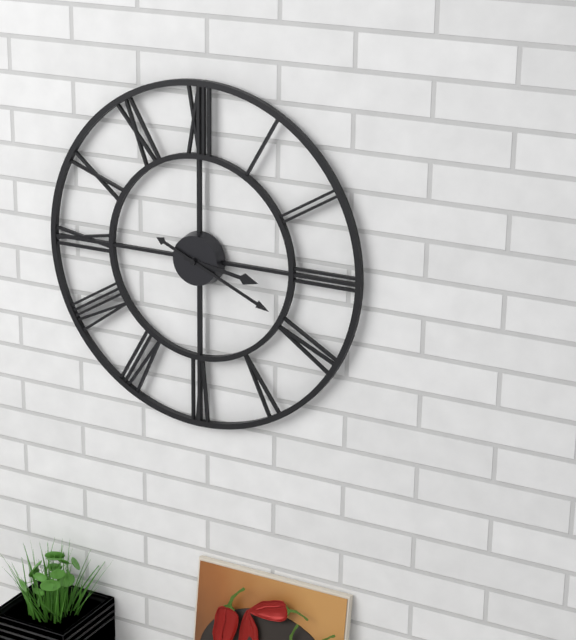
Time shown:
{"hour": 3, "minute": 19}
